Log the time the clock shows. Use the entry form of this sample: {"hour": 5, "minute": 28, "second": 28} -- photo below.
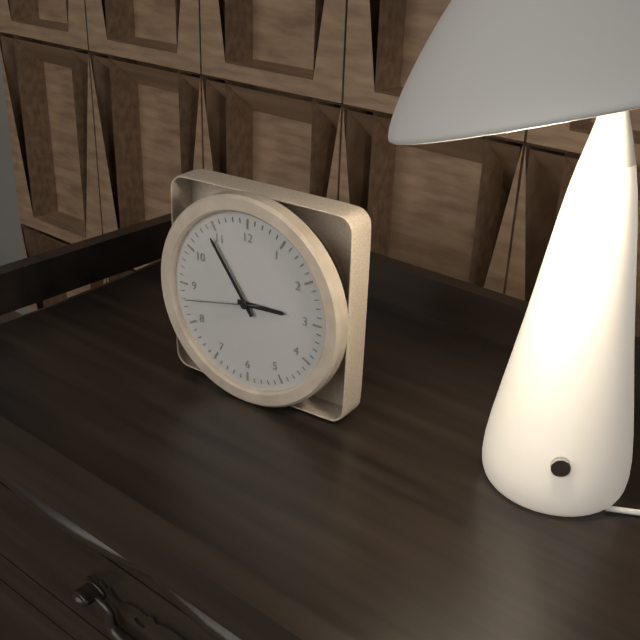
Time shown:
{"hour": 2, "minute": 54, "second": 43}
